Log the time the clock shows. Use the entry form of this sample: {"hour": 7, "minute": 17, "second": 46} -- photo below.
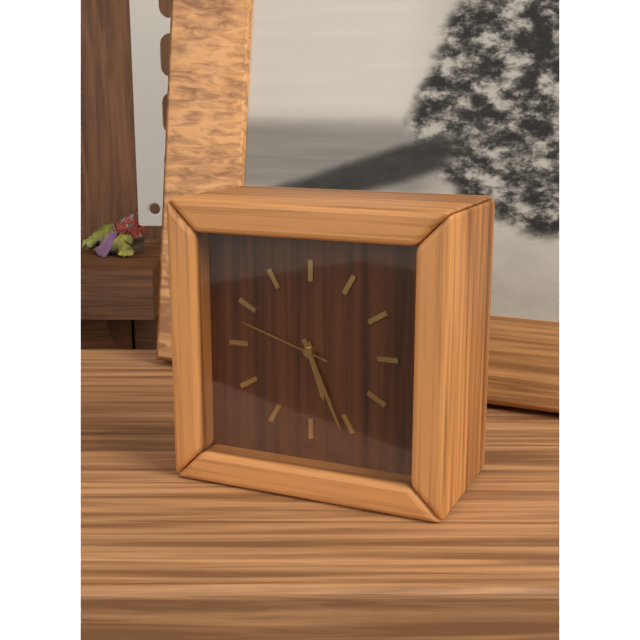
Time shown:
{"hour": 5, "minute": 26, "second": 48}
